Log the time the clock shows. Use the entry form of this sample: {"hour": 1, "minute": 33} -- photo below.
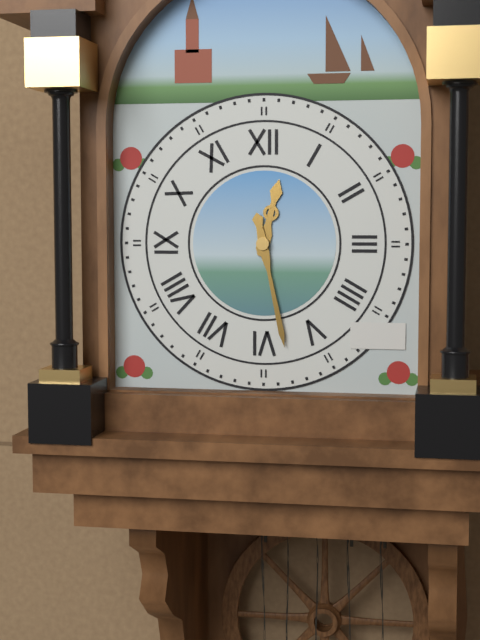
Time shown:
{"hour": 12, "minute": 28}
